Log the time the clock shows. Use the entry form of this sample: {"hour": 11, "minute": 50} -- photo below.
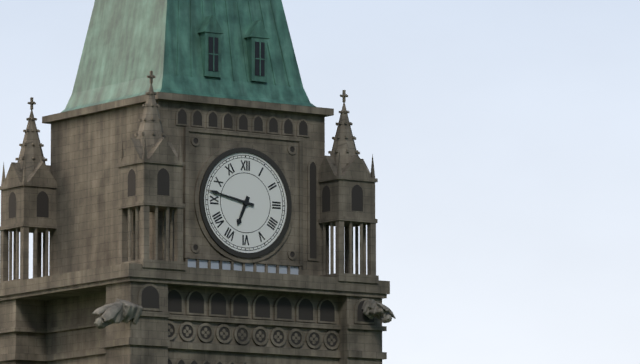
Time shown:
{"hour": 6, "minute": 47}
